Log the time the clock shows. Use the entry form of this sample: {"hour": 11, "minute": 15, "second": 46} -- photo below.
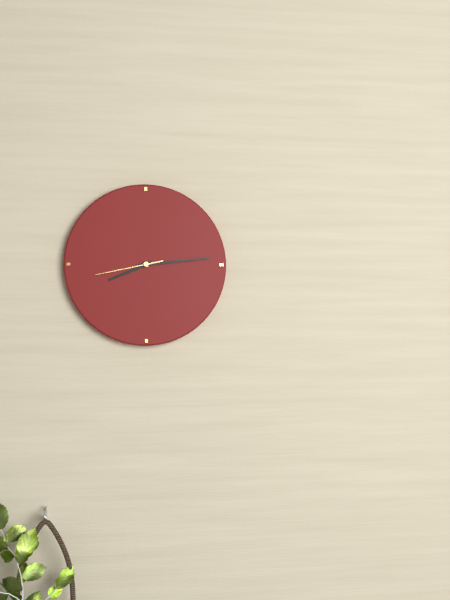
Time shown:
{"hour": 8, "minute": 14, "second": 43}
